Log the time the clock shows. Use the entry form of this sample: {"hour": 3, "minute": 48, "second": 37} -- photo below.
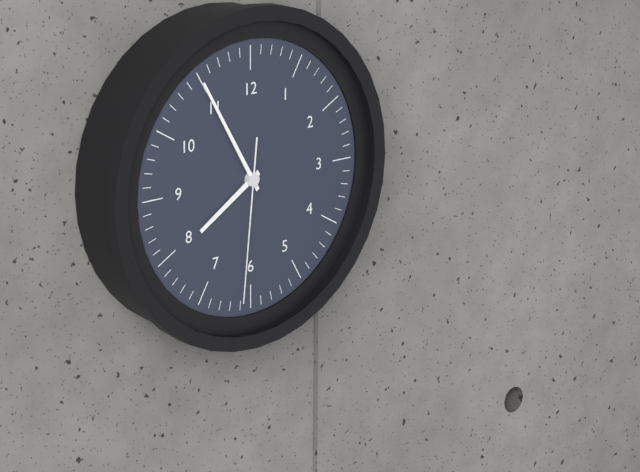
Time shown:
{"hour": 7, "minute": 55, "second": 31}
